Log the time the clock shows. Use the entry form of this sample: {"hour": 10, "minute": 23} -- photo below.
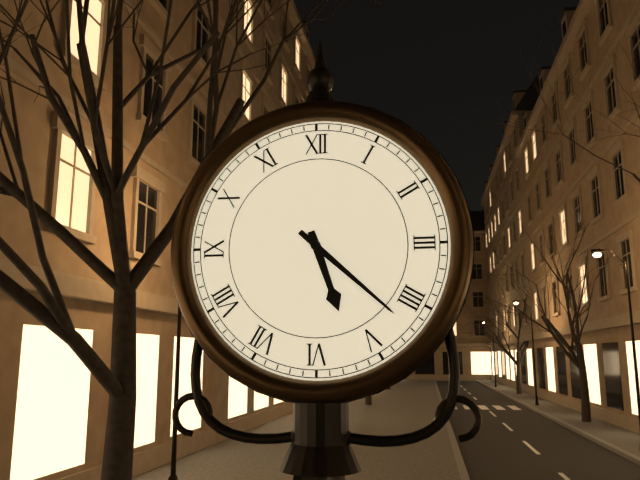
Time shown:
{"hour": 5, "minute": 22}
